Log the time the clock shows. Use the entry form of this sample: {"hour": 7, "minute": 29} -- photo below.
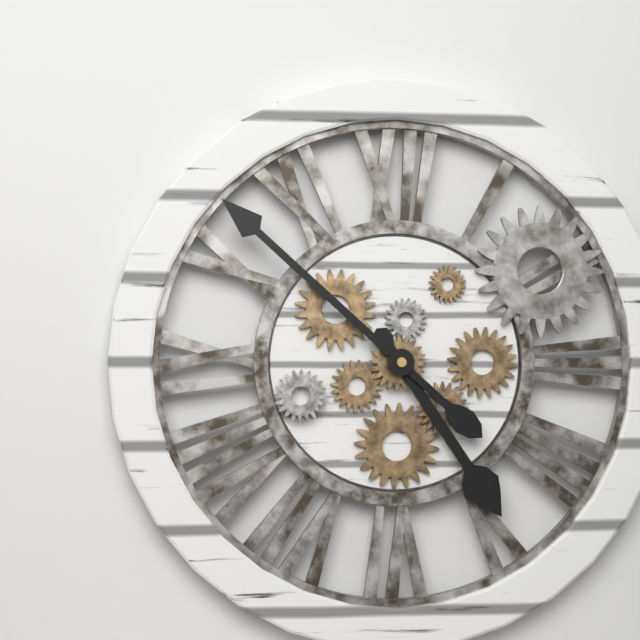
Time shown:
{"hour": 4, "minute": 52}
